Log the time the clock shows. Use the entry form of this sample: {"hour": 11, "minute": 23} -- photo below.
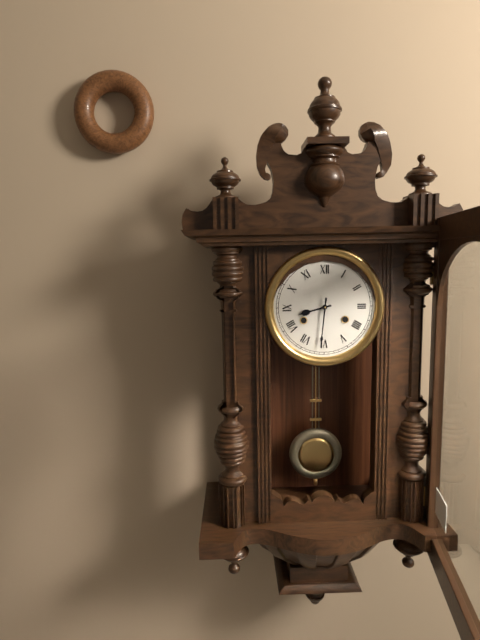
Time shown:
{"hour": 8, "minute": 31}
